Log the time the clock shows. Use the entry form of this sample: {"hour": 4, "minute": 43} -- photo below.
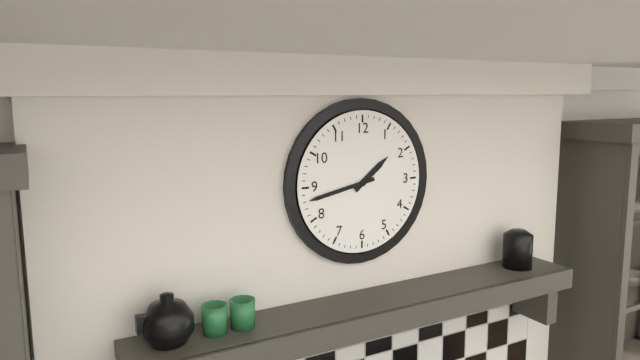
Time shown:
{"hour": 1, "minute": 43}
